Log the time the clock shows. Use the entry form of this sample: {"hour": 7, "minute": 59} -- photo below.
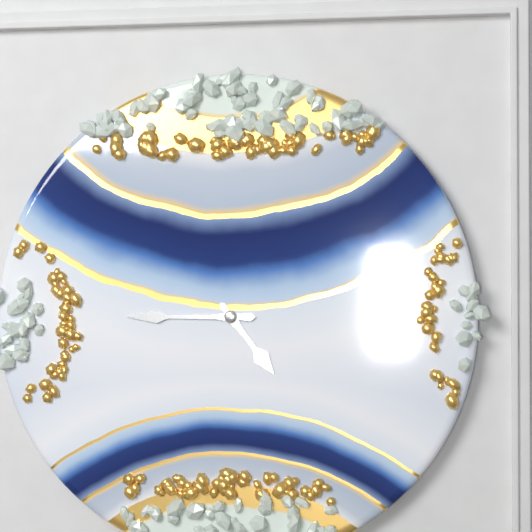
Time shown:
{"hour": 4, "minute": 45}
